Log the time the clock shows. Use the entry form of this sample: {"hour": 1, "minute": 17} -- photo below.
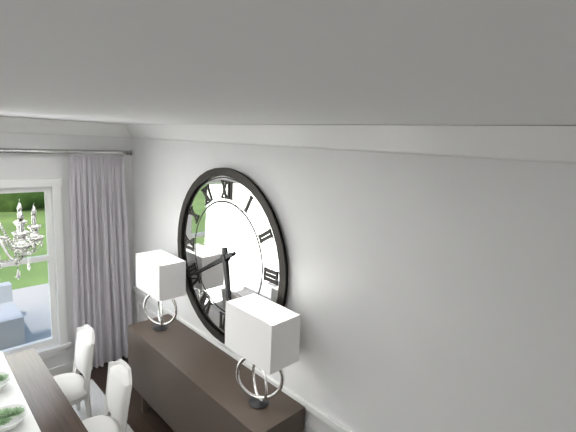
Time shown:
{"hour": 5, "minute": 40}
